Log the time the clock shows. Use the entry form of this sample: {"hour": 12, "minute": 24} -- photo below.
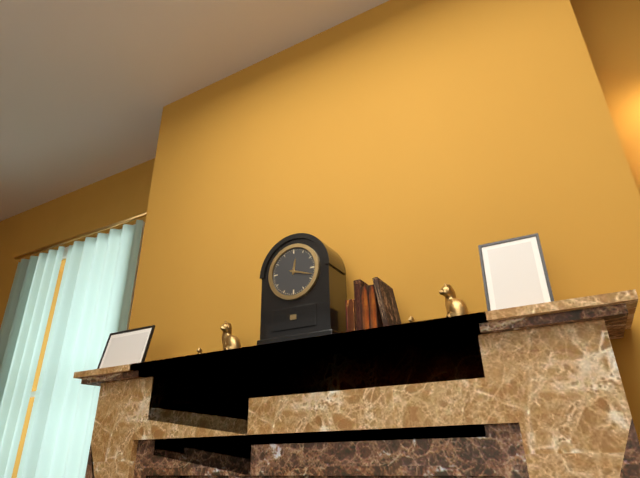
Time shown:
{"hour": 12, "minute": 18}
